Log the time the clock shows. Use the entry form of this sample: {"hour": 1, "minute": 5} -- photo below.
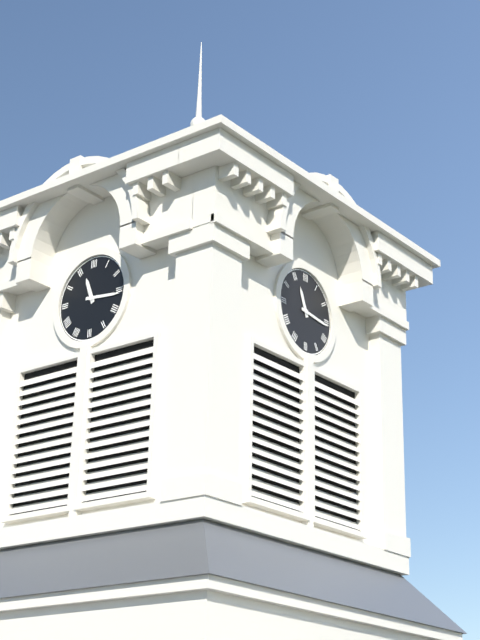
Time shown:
{"hour": 11, "minute": 16}
